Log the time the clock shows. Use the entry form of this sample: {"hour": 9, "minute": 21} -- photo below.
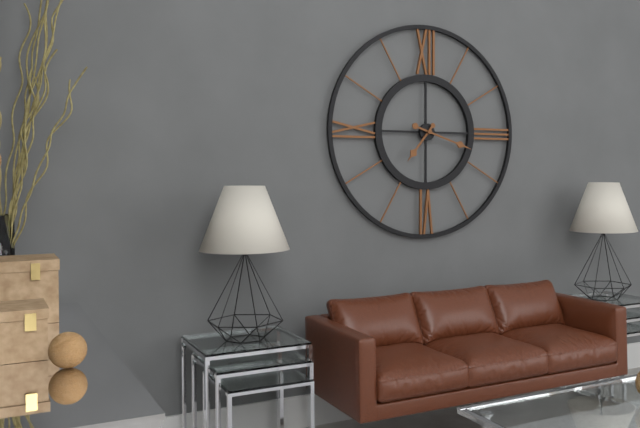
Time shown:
{"hour": 7, "minute": 18}
